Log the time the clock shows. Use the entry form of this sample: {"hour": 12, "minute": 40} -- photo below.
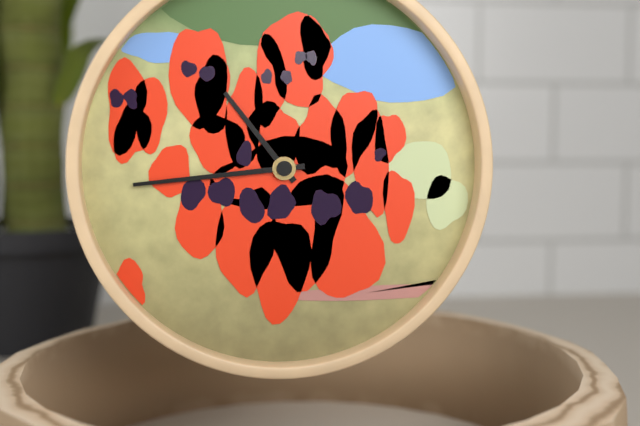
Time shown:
{"hour": 10, "minute": 44}
